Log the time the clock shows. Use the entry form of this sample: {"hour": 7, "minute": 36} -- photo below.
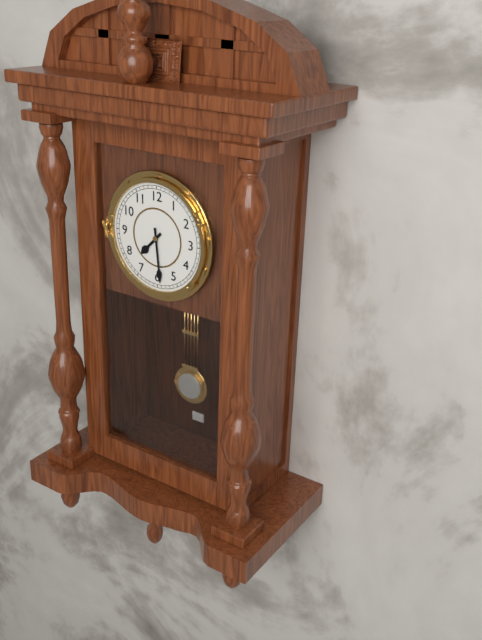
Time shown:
{"hour": 7, "minute": 29}
